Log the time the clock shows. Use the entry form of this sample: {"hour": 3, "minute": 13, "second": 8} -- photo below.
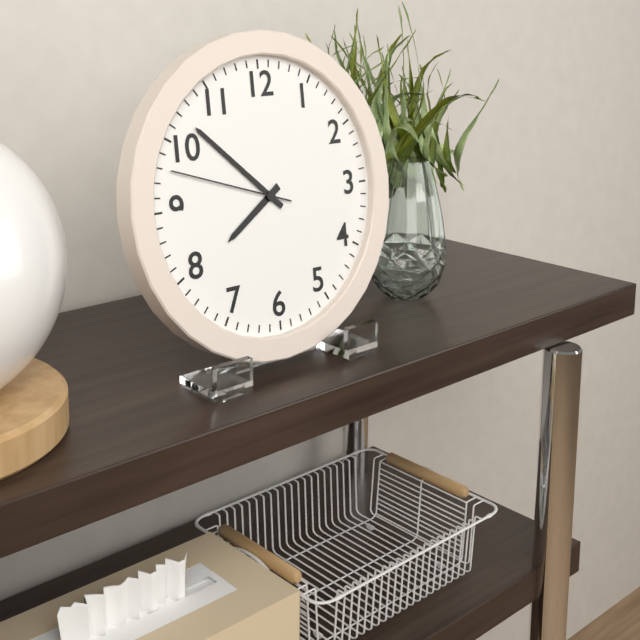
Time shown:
{"hour": 7, "minute": 52, "second": 48}
